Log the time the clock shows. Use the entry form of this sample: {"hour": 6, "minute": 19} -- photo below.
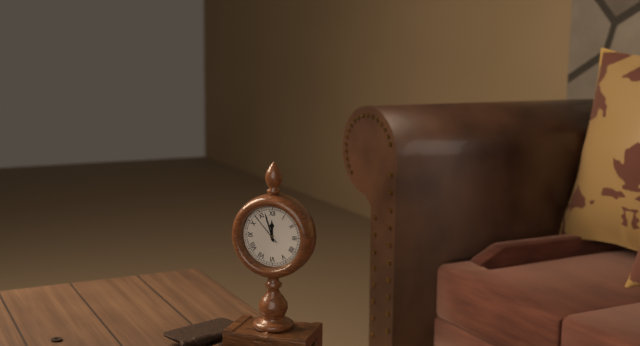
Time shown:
{"hour": 11, "minute": 57}
